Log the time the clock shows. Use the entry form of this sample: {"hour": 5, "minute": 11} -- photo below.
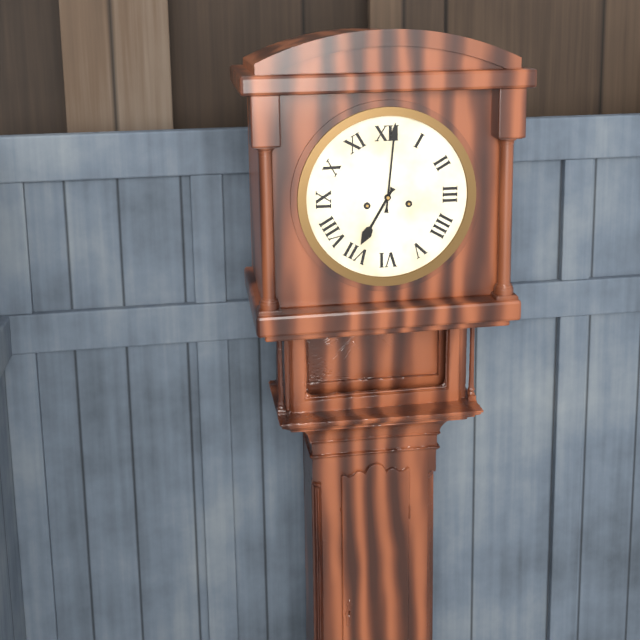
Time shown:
{"hour": 7, "minute": 1}
